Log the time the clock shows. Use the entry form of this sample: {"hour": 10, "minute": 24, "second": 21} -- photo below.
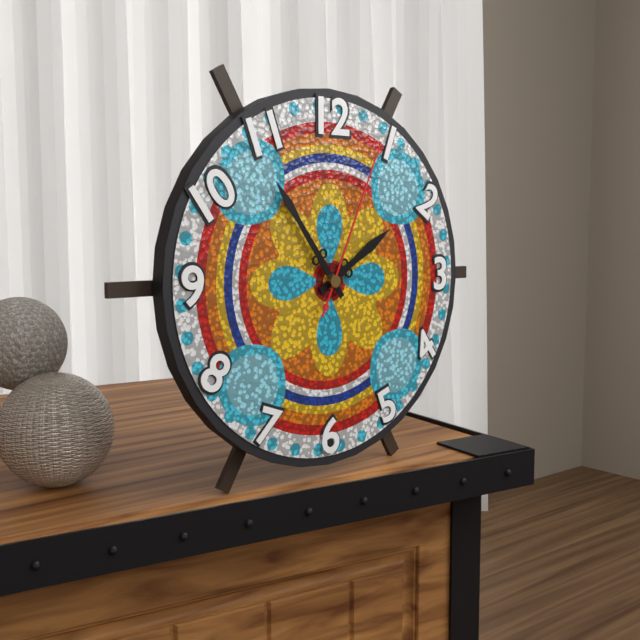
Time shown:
{"hour": 1, "minute": 54, "second": 4}
